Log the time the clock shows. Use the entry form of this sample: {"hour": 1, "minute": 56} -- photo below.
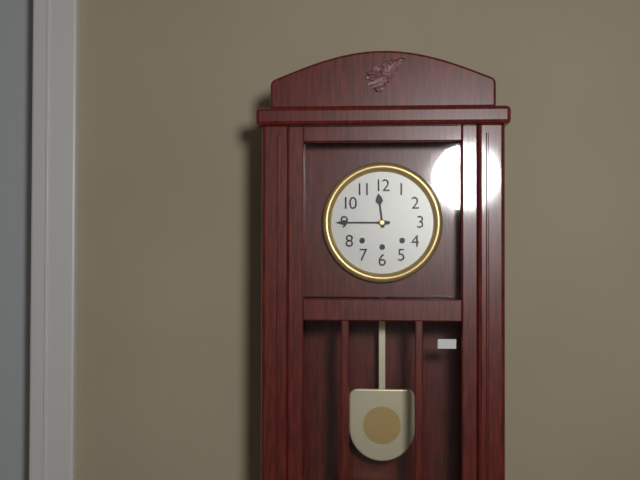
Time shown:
{"hour": 11, "minute": 45}
